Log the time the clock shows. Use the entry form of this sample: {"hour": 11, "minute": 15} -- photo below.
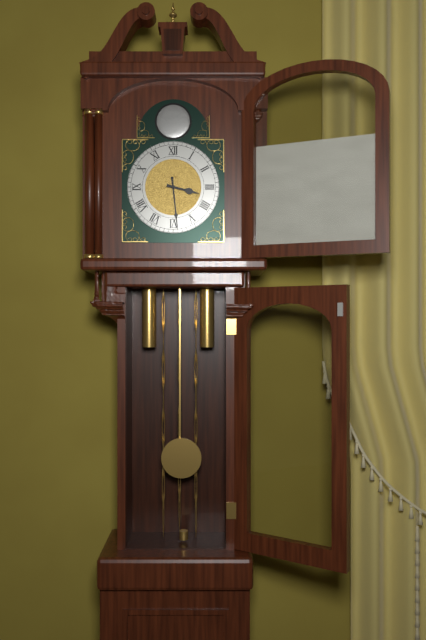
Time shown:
{"hour": 3, "minute": 29}
